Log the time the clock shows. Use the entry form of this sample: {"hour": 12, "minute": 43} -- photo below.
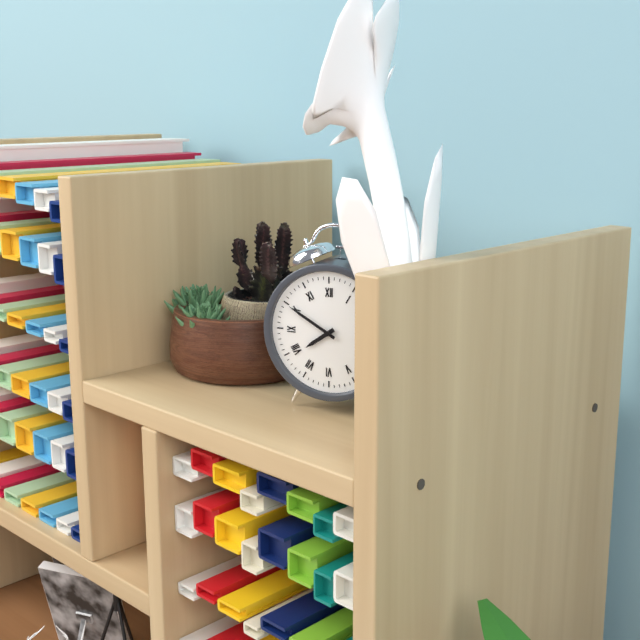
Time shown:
{"hour": 7, "minute": 50}
